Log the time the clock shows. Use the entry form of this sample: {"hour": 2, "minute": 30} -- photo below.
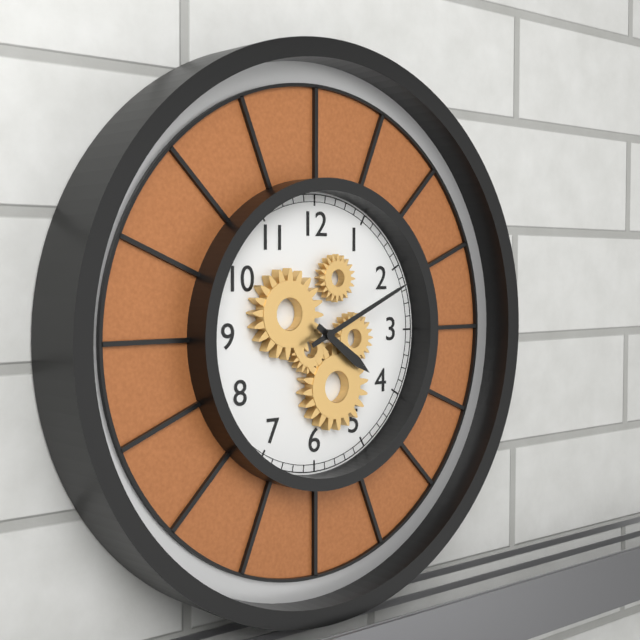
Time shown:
{"hour": 4, "minute": 11}
